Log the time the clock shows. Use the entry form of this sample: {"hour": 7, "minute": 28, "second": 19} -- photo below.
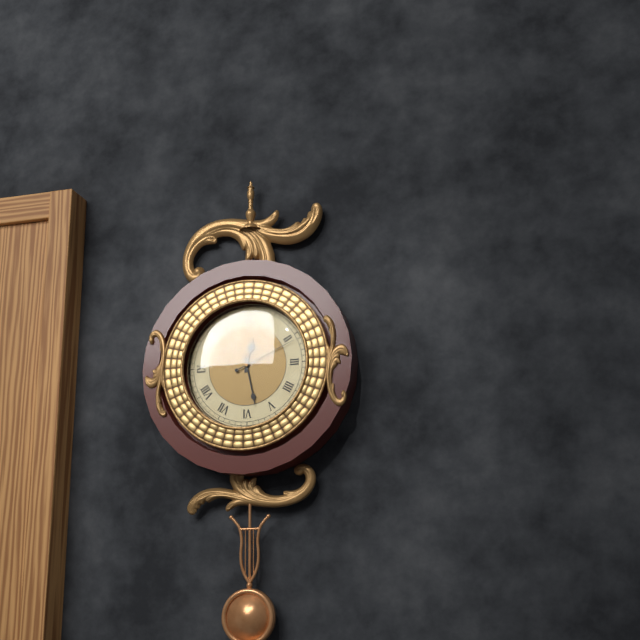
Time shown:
{"hour": 12, "minute": 28, "second": 11}
